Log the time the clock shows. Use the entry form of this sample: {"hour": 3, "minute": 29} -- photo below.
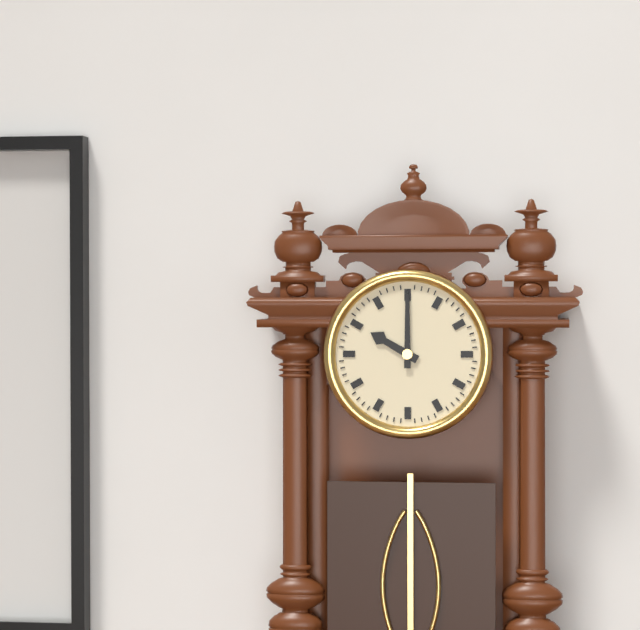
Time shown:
{"hour": 10, "minute": 0}
